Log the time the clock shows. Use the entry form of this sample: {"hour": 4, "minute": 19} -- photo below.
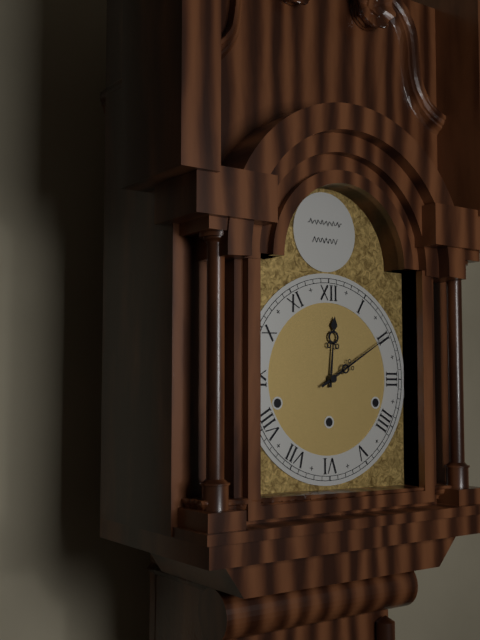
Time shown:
{"hour": 12, "minute": 10}
